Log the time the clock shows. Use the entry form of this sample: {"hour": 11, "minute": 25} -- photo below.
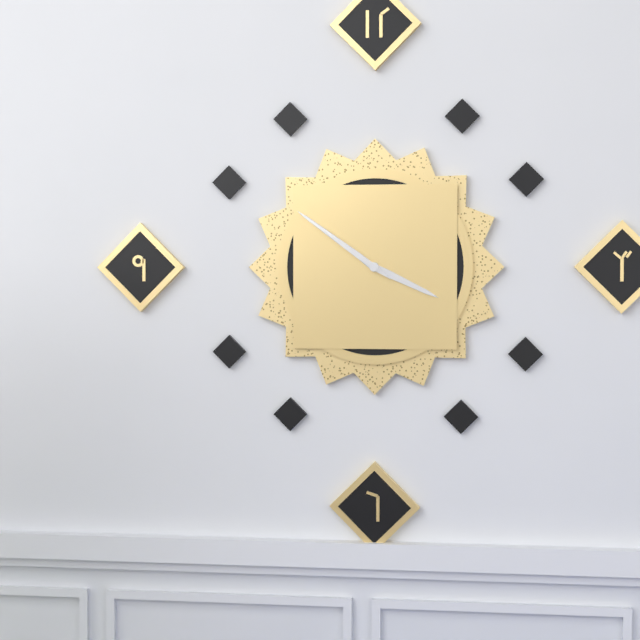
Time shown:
{"hour": 3, "minute": 51}
